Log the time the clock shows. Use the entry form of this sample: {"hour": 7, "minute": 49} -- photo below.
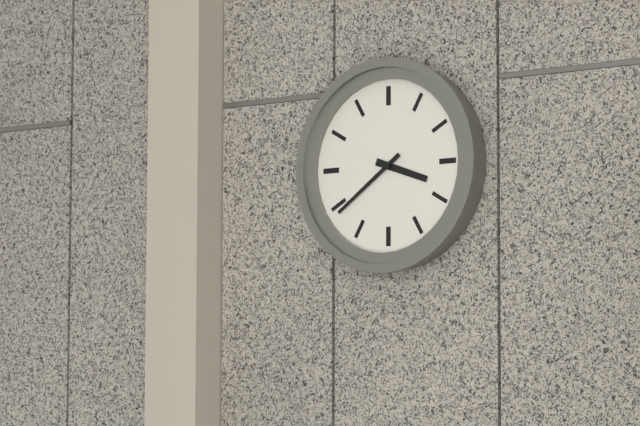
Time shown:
{"hour": 3, "minute": 39}
